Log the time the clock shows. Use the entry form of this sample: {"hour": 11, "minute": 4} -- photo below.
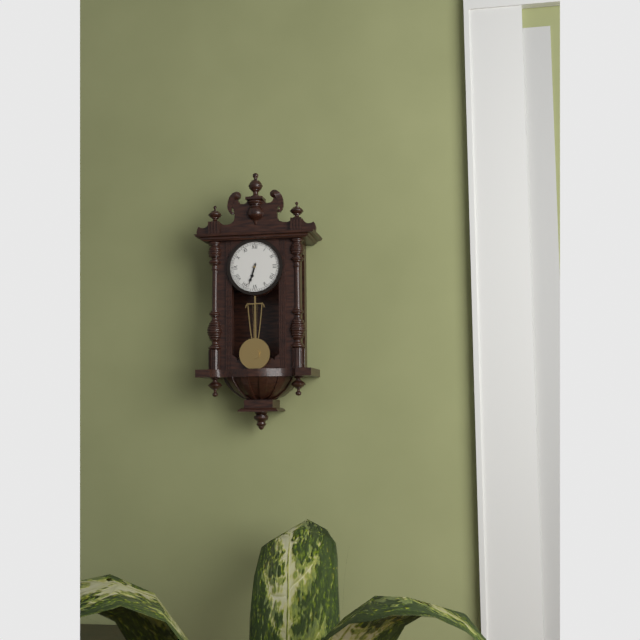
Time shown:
{"hour": 6, "minute": 33}
